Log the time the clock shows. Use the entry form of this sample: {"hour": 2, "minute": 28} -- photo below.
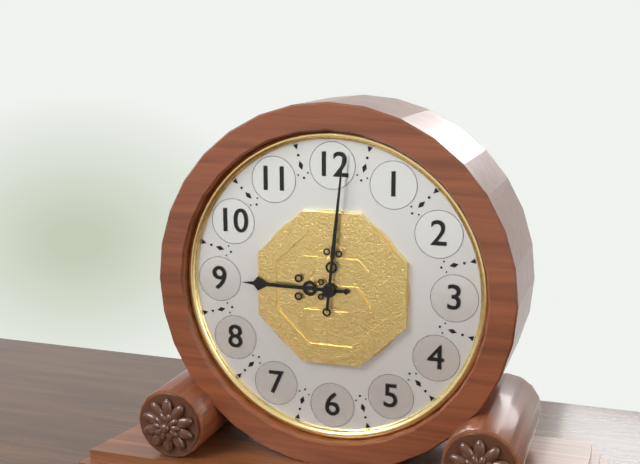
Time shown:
{"hour": 9, "minute": 1}
